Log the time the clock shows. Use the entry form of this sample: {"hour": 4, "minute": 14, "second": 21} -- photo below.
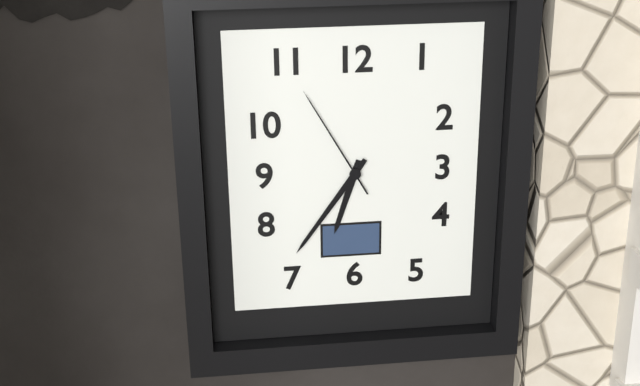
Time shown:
{"hour": 6, "minute": 36, "second": 55}
